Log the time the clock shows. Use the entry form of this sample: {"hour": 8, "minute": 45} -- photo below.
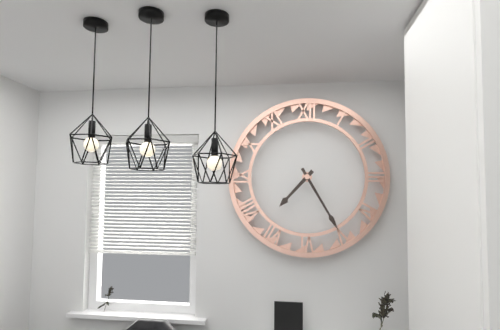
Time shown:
{"hour": 7, "minute": 25}
